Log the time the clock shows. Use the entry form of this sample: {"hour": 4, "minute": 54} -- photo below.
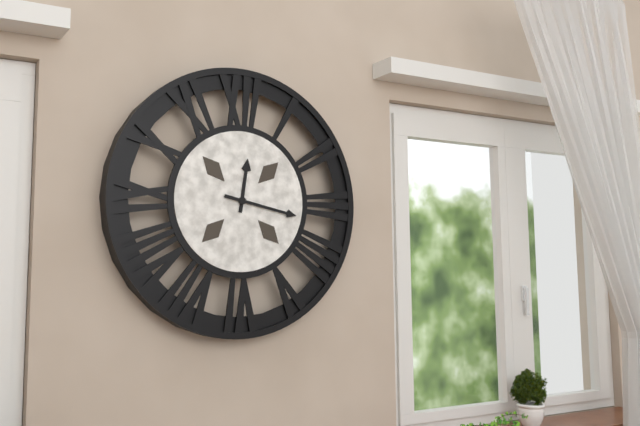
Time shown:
{"hour": 12, "minute": 17}
